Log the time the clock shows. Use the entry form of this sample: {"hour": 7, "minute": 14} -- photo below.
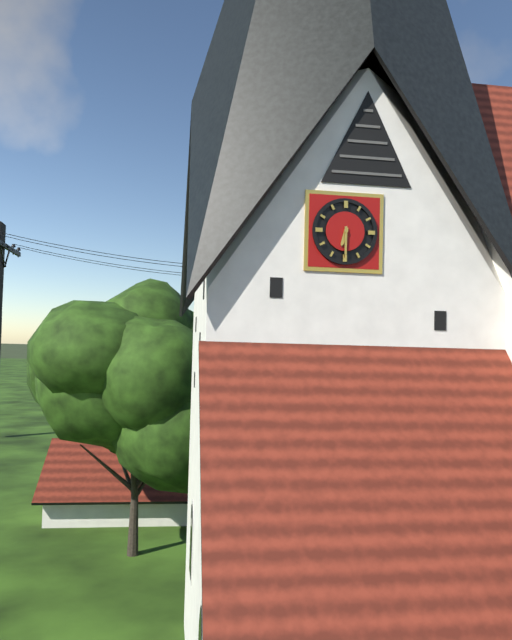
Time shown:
{"hour": 6, "minute": 30}
